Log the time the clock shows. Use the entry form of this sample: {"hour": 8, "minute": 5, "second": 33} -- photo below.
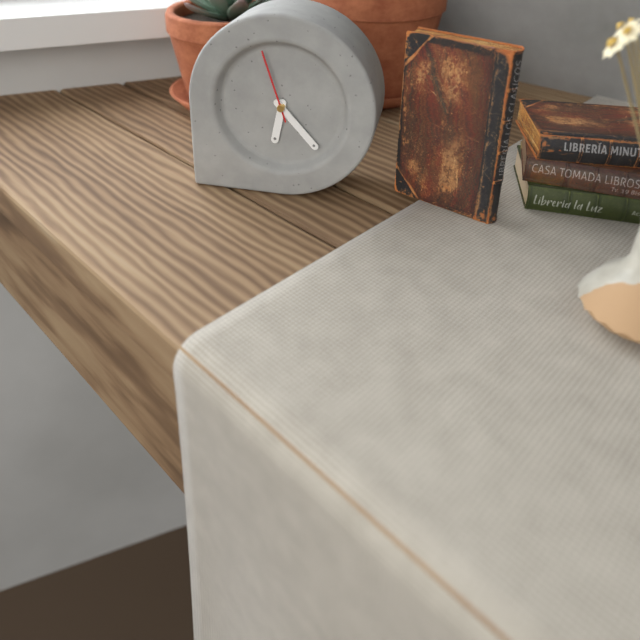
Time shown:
{"hour": 6, "minute": 23, "second": 57}
